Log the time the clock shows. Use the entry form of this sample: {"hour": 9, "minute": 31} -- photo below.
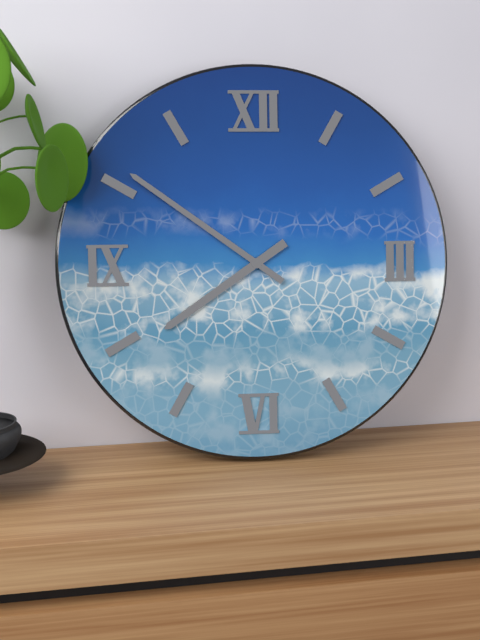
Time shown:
{"hour": 7, "minute": 51}
